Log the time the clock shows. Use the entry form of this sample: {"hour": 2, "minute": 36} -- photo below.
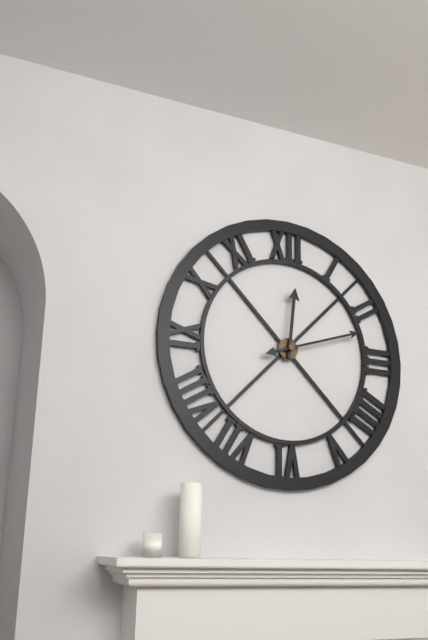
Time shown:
{"hour": 12, "minute": 12}
